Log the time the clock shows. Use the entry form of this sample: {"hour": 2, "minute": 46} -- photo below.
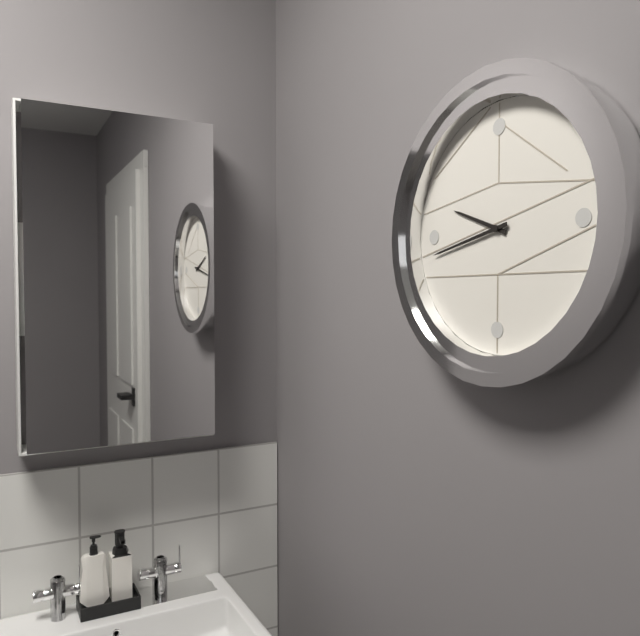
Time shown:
{"hour": 9, "minute": 43}
